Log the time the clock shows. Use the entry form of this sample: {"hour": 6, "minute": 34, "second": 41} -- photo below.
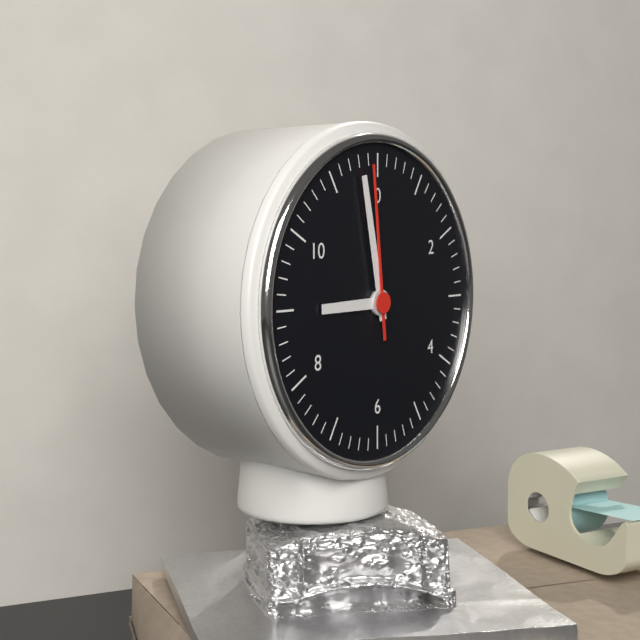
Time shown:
{"hour": 8, "minute": 58, "second": 59}
